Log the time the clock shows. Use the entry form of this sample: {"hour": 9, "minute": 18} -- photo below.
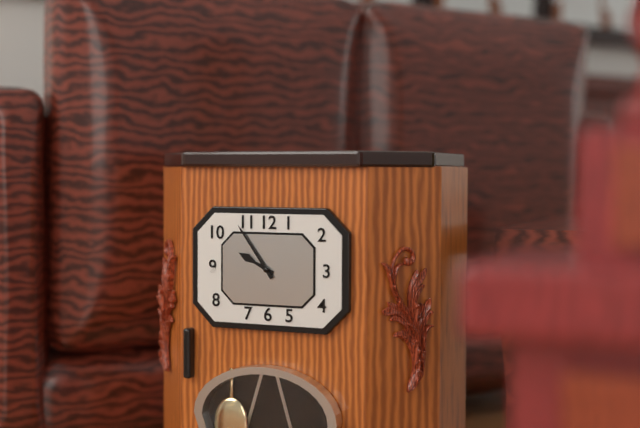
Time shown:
{"hour": 9, "minute": 54}
